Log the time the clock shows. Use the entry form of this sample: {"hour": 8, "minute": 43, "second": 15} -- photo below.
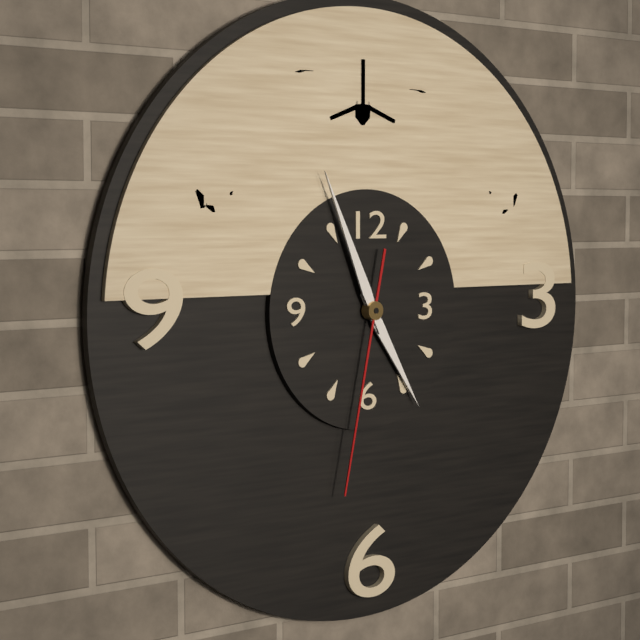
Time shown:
{"hour": 4, "minute": 56, "second": 32}
